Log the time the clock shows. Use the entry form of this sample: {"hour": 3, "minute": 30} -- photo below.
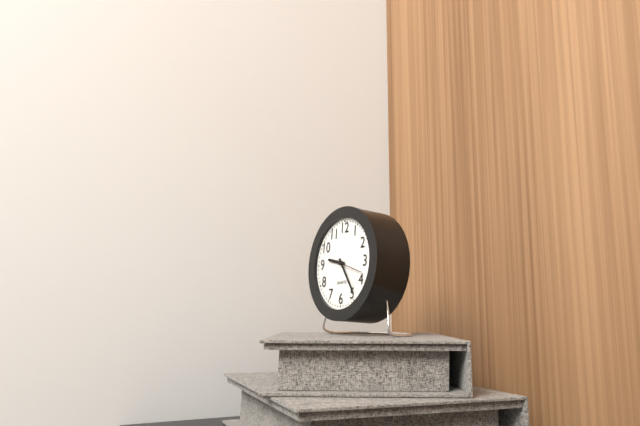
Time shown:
{"hour": 9, "minute": 24}
